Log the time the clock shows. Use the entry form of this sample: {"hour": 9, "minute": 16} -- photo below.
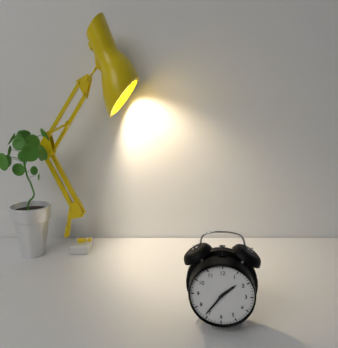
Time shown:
{"hour": 1, "minute": 36}
